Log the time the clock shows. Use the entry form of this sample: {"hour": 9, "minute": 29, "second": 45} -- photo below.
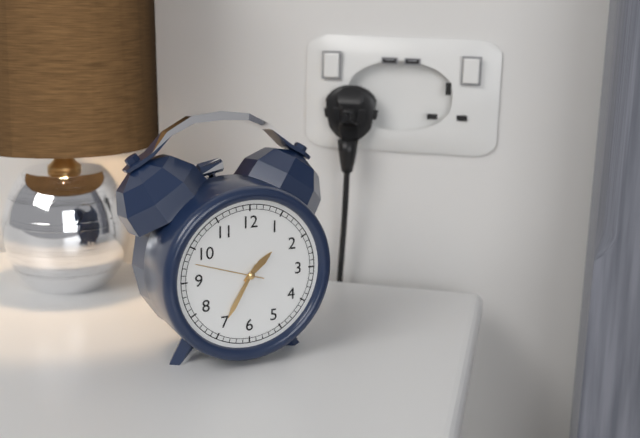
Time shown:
{"hour": 1, "minute": 35, "second": 48}
